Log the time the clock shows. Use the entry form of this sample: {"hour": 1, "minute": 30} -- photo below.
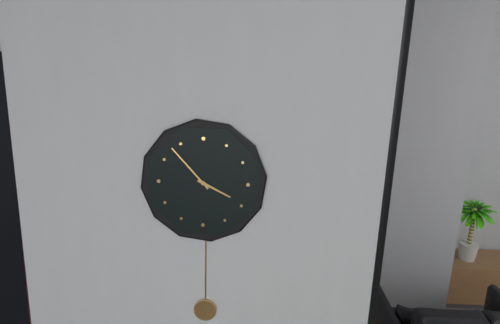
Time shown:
{"hour": 3, "minute": 53}
